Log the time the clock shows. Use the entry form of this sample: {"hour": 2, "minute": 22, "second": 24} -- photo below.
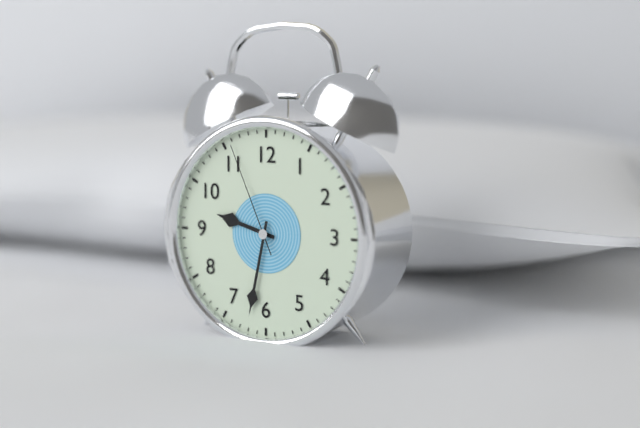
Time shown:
{"hour": 9, "minute": 32, "second": 56}
